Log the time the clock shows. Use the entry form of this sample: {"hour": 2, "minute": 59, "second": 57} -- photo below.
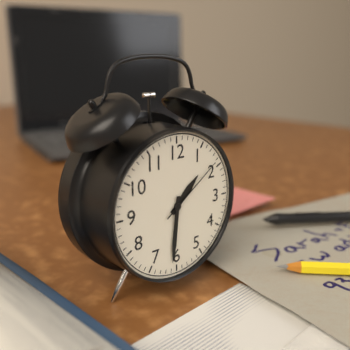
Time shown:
{"hour": 1, "minute": 31, "second": 9}
